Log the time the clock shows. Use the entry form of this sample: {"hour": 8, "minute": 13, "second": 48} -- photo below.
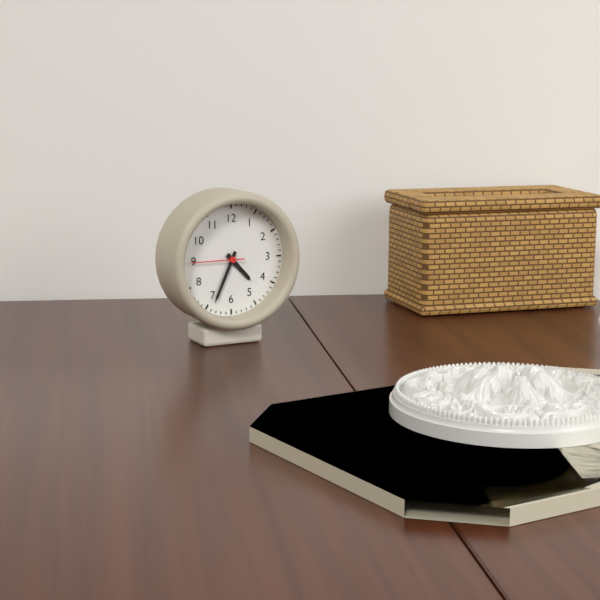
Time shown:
{"hour": 4, "minute": 34, "second": 45}
